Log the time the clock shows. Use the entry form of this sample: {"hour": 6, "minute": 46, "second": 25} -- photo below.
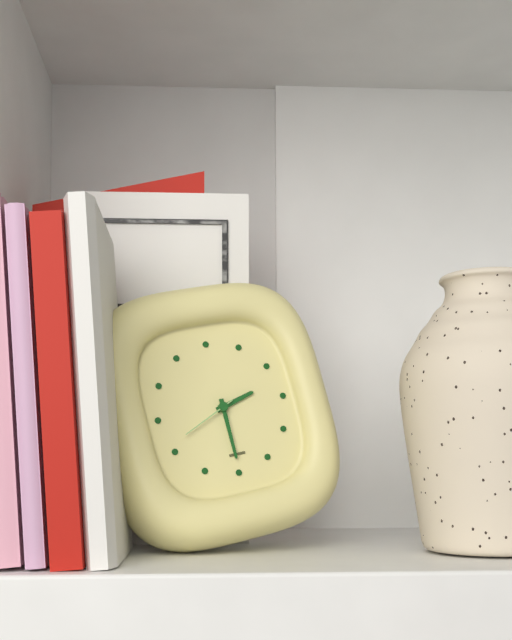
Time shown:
{"hour": 2, "minute": 30, "second": 41}
